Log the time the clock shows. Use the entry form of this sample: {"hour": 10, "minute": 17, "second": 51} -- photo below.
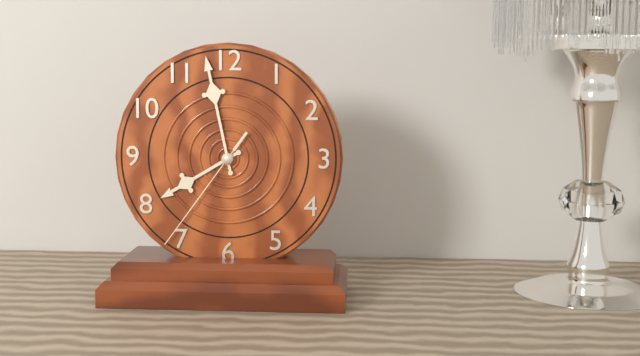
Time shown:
{"hour": 7, "minute": 58, "second": 36}
